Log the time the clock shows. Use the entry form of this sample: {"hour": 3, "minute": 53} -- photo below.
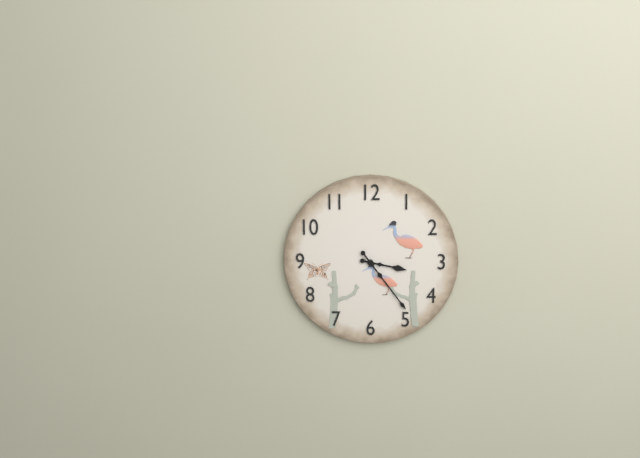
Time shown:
{"hour": 3, "minute": 24}
